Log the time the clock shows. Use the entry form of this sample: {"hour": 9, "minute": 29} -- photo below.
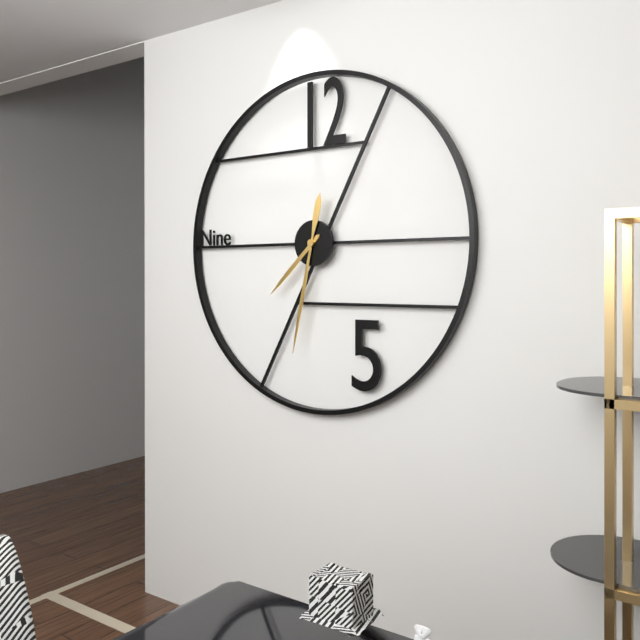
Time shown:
{"hour": 7, "minute": 32}
